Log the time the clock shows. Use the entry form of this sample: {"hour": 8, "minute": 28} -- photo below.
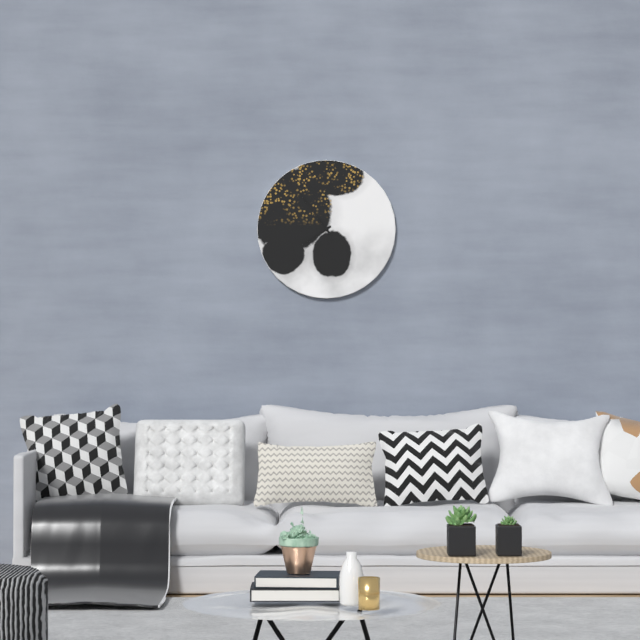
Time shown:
{"hour": 7, "minute": 54}
